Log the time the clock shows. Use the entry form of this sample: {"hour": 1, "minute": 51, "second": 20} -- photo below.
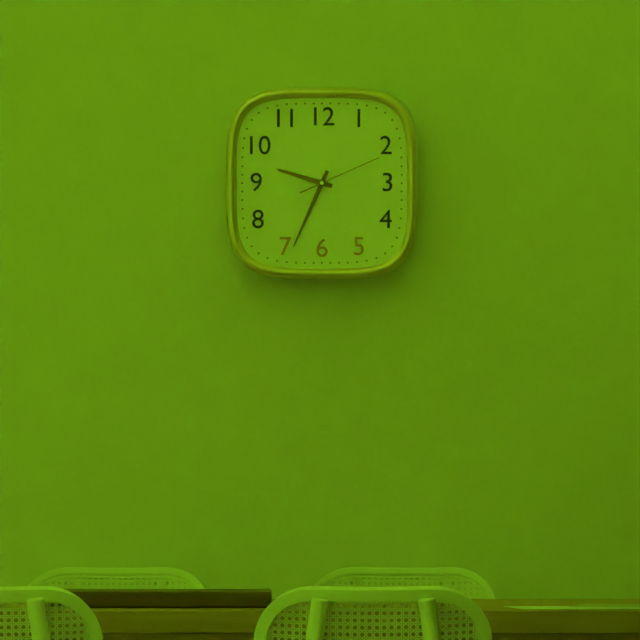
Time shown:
{"hour": 9, "minute": 34, "second": 11}
